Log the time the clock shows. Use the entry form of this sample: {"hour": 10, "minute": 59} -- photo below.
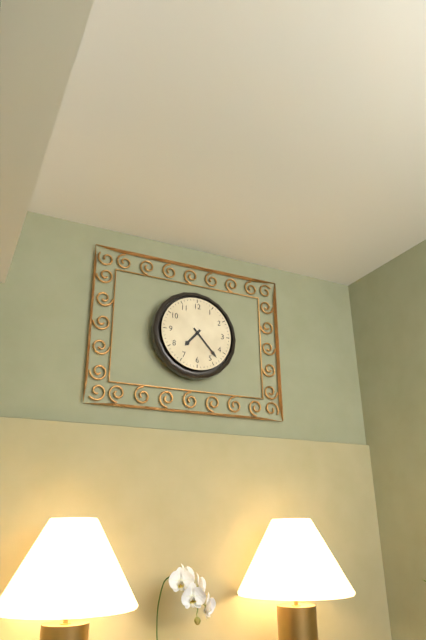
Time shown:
{"hour": 7, "minute": 23}
